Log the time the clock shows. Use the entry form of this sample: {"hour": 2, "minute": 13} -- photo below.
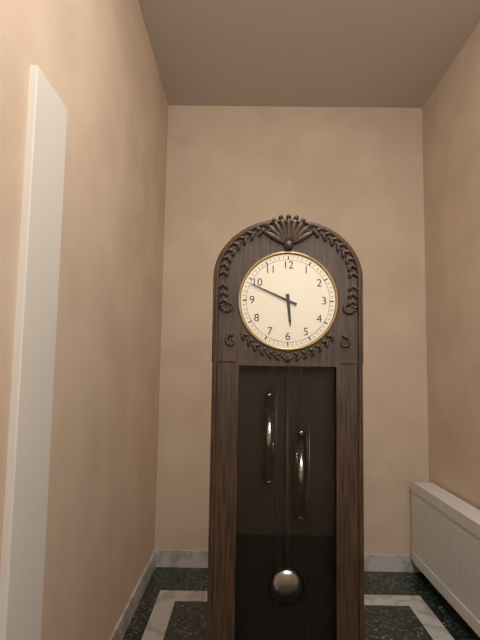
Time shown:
{"hour": 5, "minute": 49}
